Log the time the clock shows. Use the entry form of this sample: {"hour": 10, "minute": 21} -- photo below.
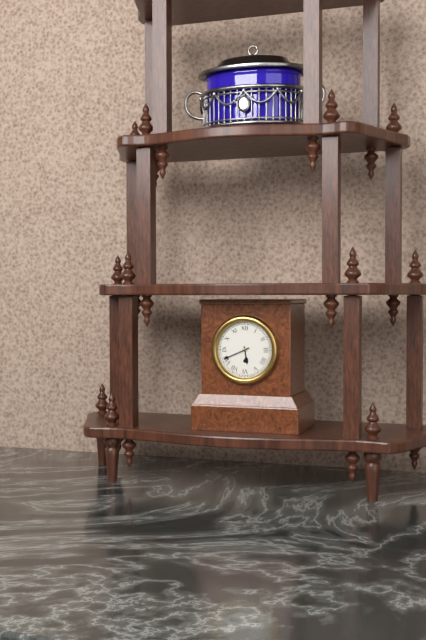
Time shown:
{"hour": 5, "minute": 41}
